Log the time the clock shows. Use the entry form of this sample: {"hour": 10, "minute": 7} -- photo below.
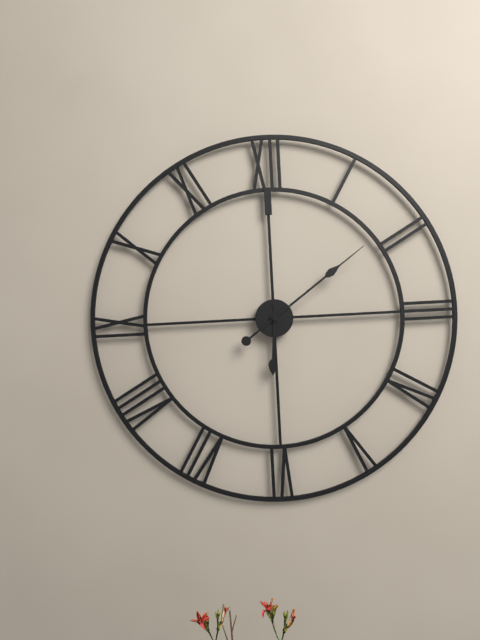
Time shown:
{"hour": 6, "minute": 9}
